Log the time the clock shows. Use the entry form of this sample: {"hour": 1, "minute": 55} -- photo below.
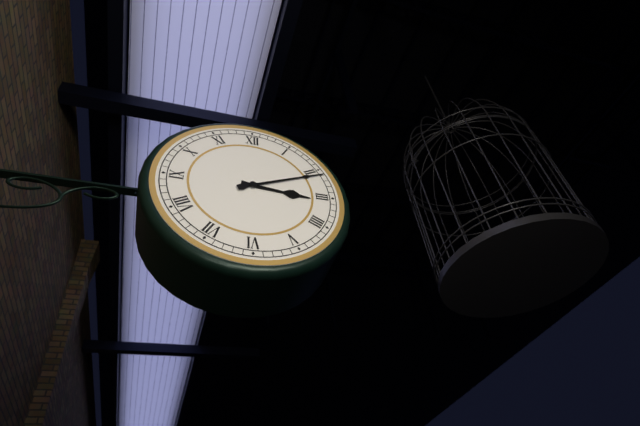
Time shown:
{"hour": 3, "minute": 11}
